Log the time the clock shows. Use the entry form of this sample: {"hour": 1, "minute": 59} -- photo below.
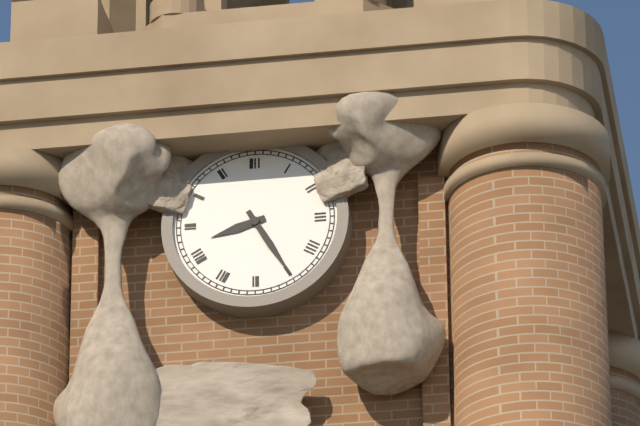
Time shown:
{"hour": 8, "minute": 25}
